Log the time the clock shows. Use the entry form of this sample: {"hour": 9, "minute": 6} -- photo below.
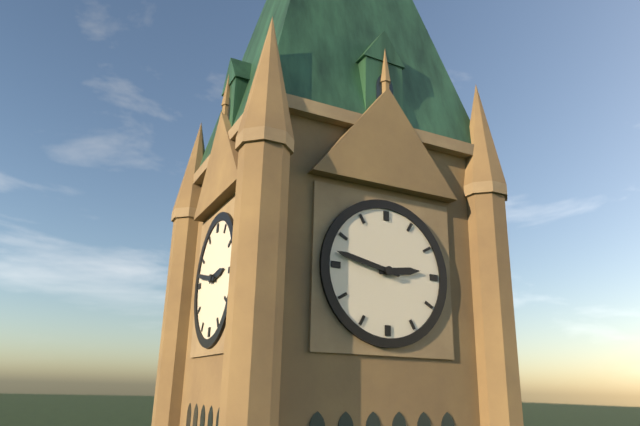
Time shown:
{"hour": 2, "minute": 47}
